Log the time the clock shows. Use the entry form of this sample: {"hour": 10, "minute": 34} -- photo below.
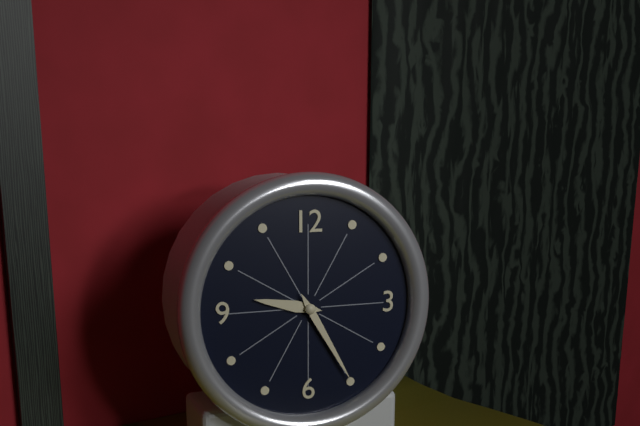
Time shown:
{"hour": 9, "minute": 25}
